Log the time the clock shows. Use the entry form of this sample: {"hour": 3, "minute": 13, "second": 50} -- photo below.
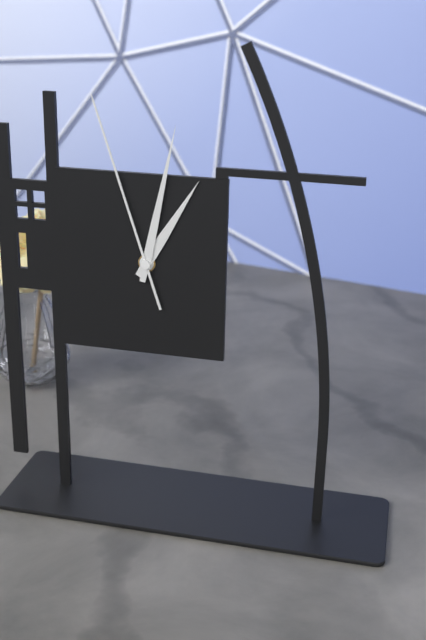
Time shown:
{"hour": 1, "minute": 2, "second": 57}
